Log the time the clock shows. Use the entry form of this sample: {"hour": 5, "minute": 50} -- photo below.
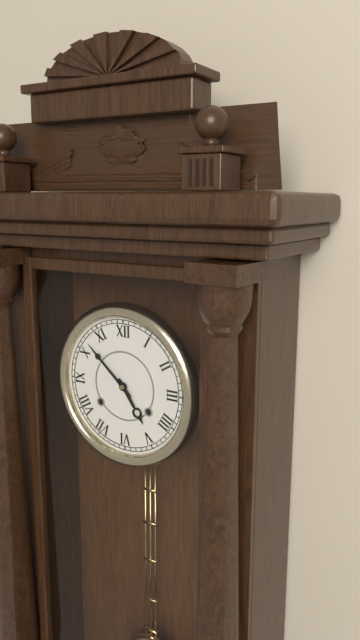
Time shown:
{"hour": 4, "minute": 52}
